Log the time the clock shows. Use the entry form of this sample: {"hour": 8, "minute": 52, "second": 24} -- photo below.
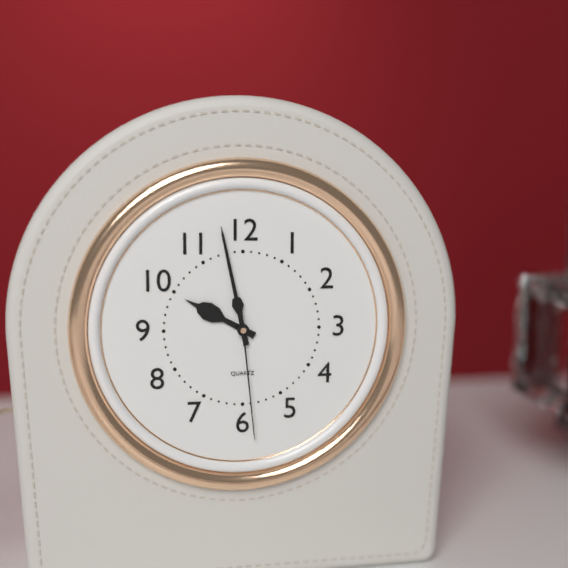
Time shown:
{"hour": 9, "minute": 58, "second": 29}
